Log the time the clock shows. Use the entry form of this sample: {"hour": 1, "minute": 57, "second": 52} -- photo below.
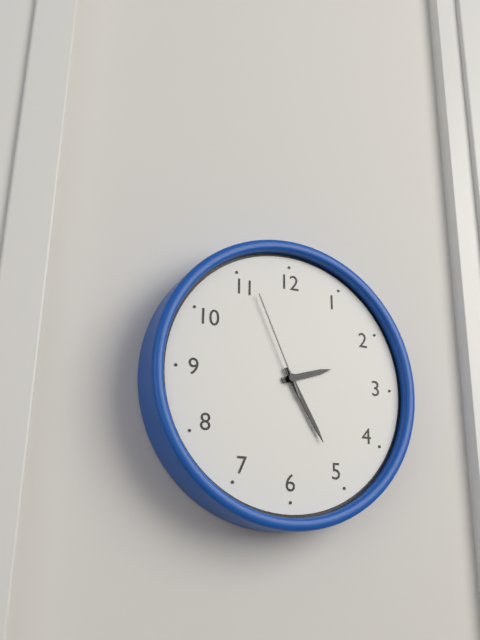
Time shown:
{"hour": 2, "minute": 25, "second": 56}
